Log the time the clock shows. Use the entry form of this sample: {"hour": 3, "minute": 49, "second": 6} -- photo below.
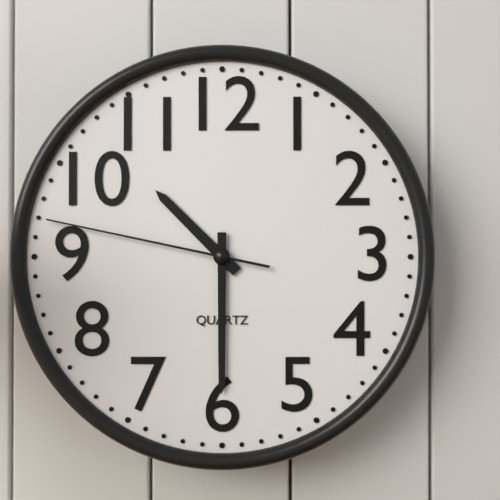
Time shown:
{"hour": 10, "minute": 30, "second": 47}
